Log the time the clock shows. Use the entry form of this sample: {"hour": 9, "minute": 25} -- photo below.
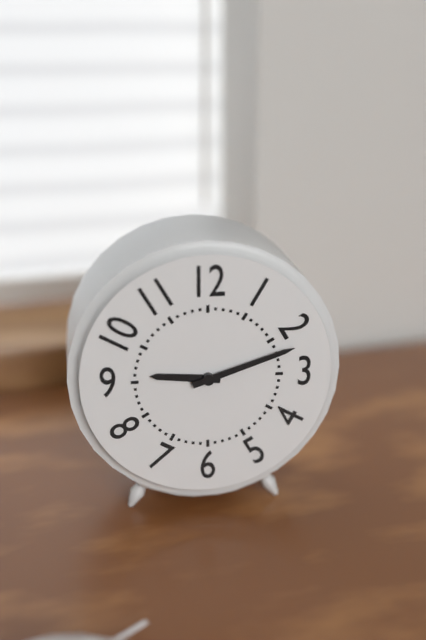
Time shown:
{"hour": 9, "minute": 12}
